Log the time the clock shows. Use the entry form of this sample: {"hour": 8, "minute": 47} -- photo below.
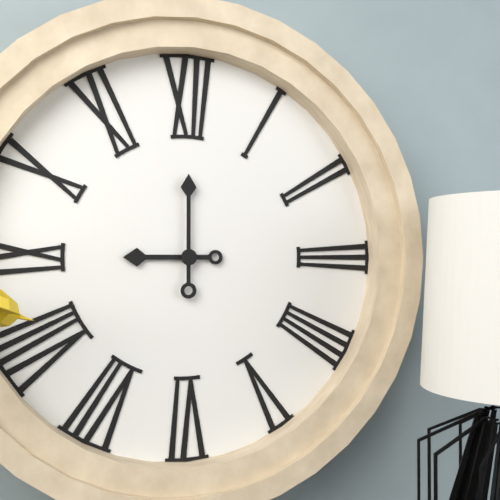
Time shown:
{"hour": 9, "minute": 0}
